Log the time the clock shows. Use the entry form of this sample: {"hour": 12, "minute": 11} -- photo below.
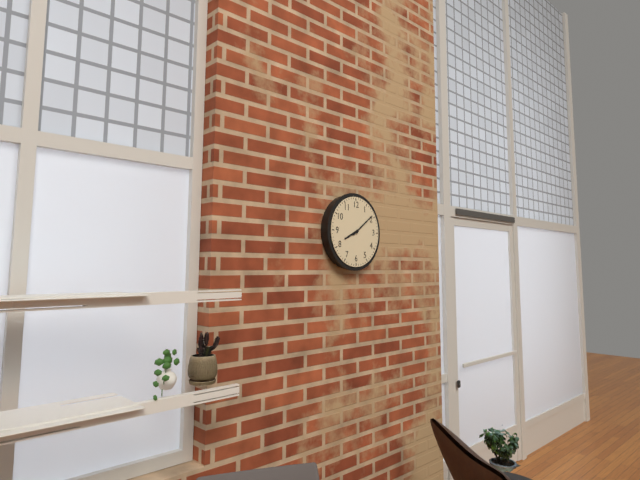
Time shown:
{"hour": 8, "minute": 9}
